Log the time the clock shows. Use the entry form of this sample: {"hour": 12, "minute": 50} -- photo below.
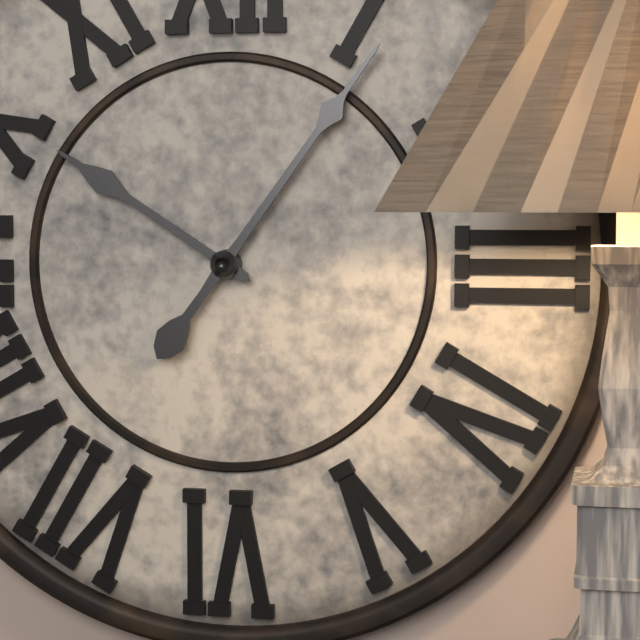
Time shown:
{"hour": 10, "minute": 6}
